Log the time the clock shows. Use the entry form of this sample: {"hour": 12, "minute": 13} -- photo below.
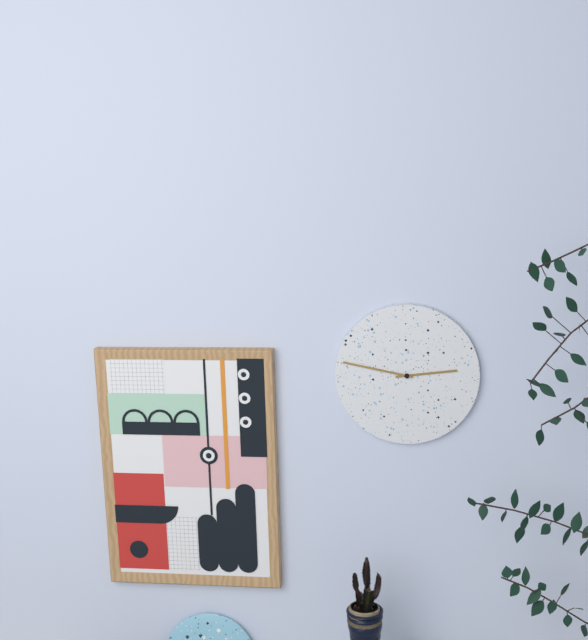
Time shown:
{"hour": 2, "minute": 47}
